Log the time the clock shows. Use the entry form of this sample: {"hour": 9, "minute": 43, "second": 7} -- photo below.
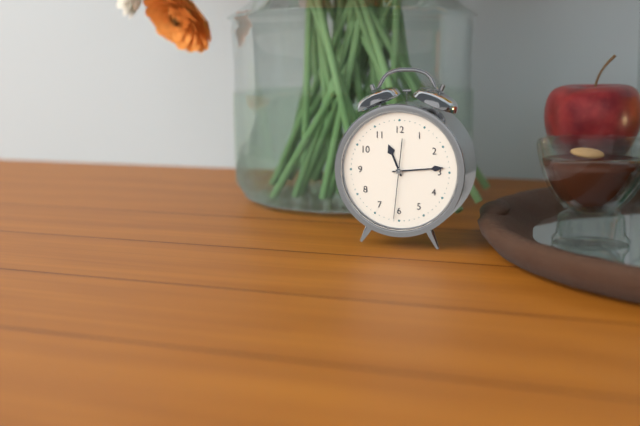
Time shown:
{"hour": 11, "minute": 14, "second": 31}
